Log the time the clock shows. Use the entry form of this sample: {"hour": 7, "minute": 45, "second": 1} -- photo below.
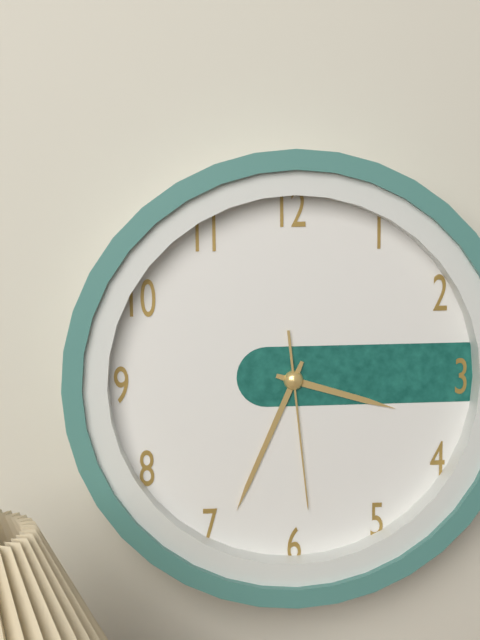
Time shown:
{"hour": 3, "minute": 34, "second": 29}
